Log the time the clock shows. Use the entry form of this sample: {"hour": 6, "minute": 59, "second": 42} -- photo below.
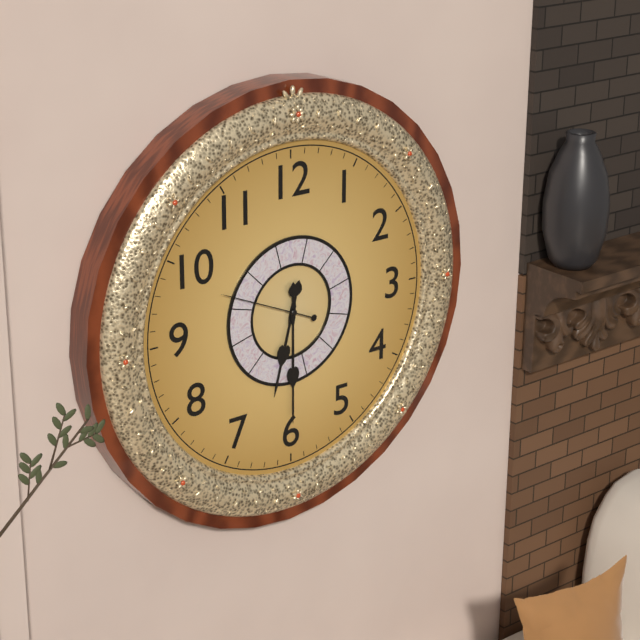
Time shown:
{"hour": 6, "minute": 30, "second": 49}
